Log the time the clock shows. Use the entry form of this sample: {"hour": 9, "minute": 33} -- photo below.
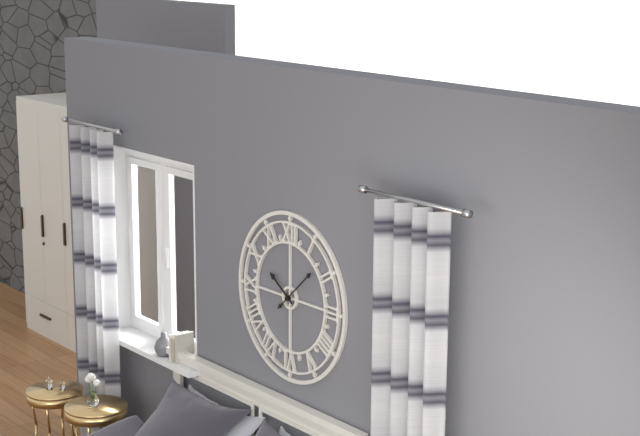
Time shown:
{"hour": 10, "minute": 8}
